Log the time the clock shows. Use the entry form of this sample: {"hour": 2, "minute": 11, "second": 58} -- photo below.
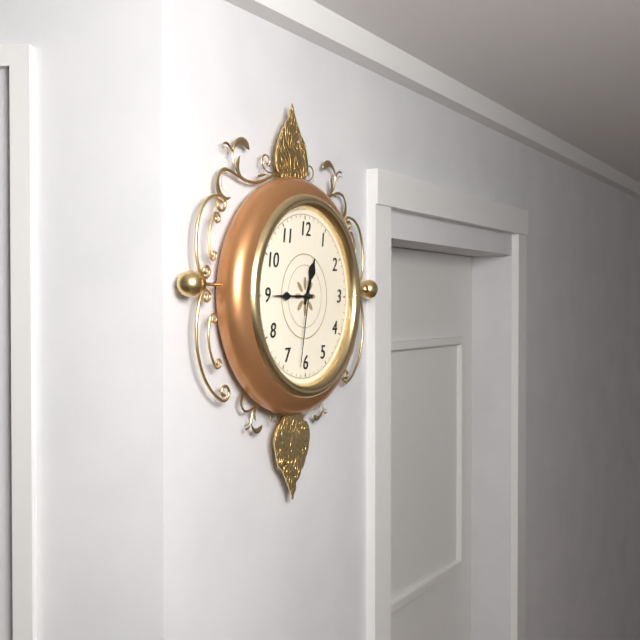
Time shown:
{"hour": 12, "minute": 45, "second": 32}
